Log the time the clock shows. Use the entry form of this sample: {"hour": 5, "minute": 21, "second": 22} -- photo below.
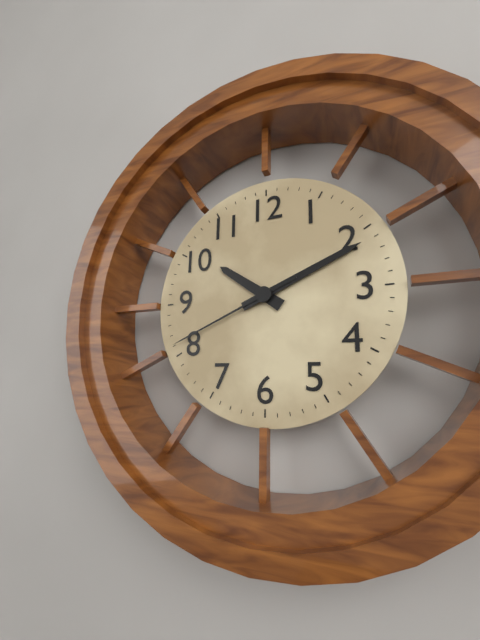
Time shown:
{"hour": 10, "minute": 11, "second": 41}
